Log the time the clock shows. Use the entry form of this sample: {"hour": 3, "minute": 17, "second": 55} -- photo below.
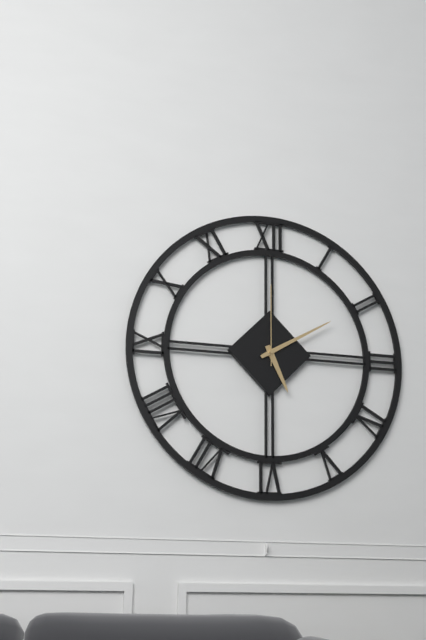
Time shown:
{"hour": 5, "minute": 10, "second": 0}
